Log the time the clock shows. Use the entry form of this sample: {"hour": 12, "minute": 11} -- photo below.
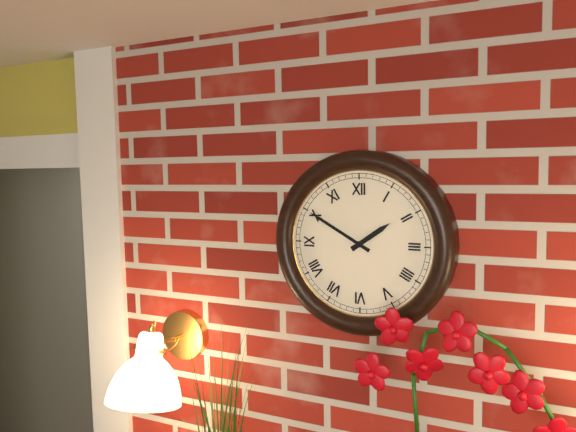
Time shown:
{"hour": 1, "minute": 50}
